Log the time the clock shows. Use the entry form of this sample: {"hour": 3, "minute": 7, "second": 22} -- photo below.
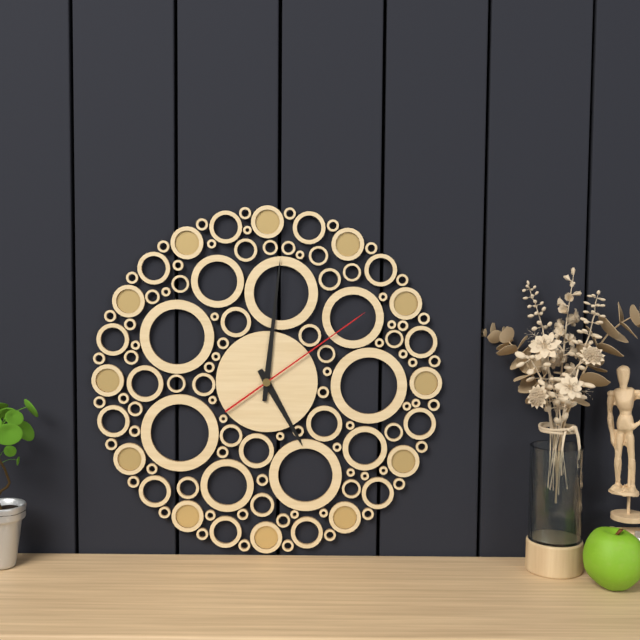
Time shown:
{"hour": 5, "minute": 1, "second": 9}
